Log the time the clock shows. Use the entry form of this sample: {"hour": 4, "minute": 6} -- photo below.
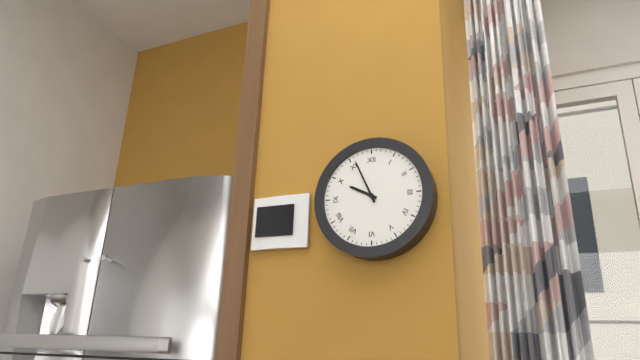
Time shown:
{"hour": 9, "minute": 56}
